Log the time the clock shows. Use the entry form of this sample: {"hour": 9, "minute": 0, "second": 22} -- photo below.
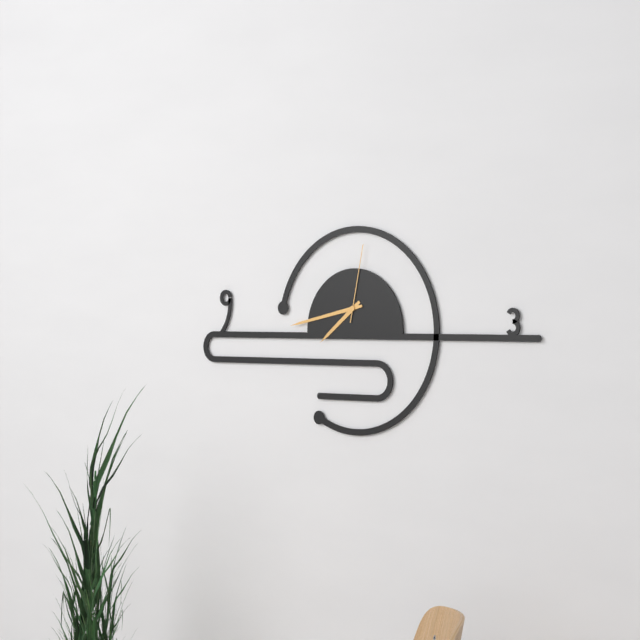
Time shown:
{"hour": 7, "minute": 43, "second": 2}
